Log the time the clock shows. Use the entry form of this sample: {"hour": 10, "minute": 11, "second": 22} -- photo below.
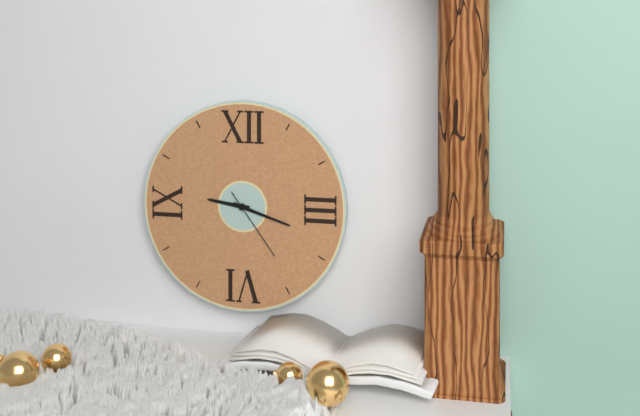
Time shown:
{"hour": 9, "minute": 18, "second": 24}
